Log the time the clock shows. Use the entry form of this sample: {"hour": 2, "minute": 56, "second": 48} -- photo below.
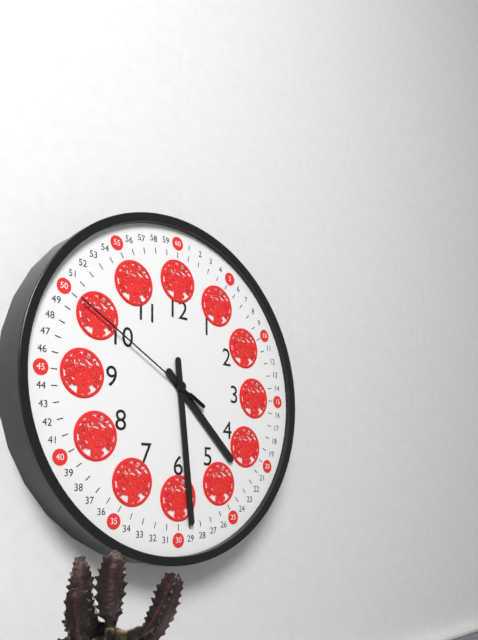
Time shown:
{"hour": 4, "minute": 29, "second": 50}
